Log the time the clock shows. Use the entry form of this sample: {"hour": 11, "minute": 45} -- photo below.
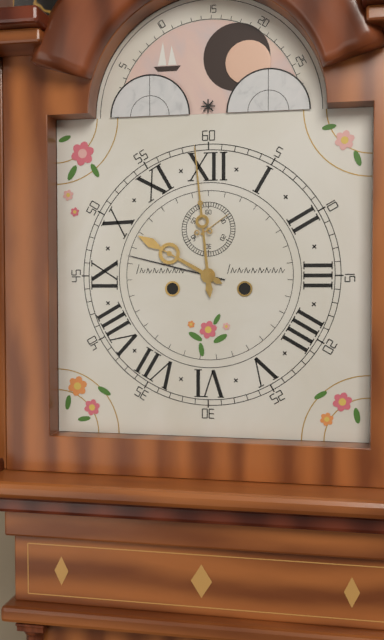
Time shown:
{"hour": 9, "minute": 59}
